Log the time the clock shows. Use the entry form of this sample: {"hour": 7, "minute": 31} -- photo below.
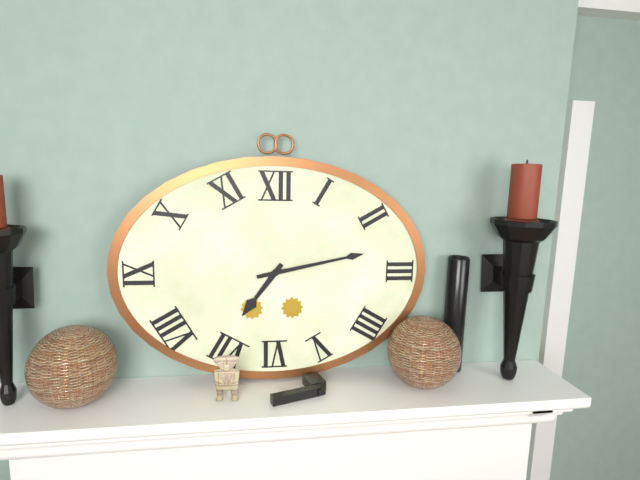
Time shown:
{"hour": 7, "minute": 13}
